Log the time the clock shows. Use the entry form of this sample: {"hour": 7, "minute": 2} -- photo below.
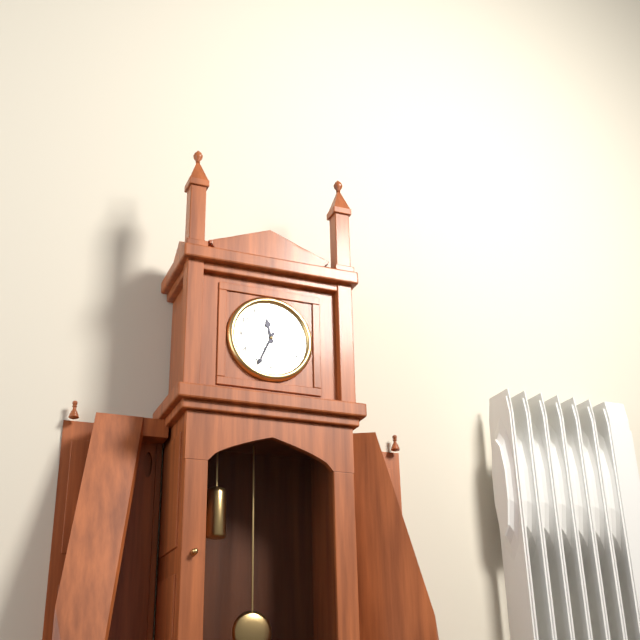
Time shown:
{"hour": 11, "minute": 34}
